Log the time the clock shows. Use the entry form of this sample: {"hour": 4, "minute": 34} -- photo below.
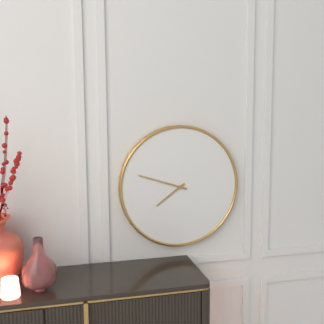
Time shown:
{"hour": 7, "minute": 48}
